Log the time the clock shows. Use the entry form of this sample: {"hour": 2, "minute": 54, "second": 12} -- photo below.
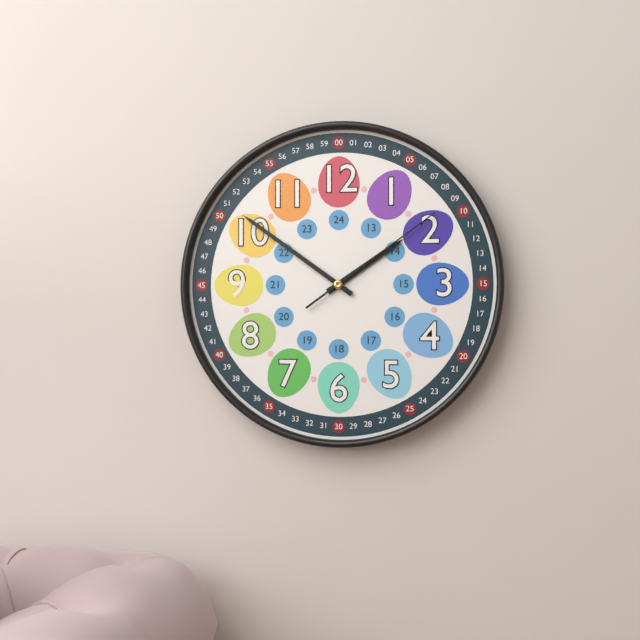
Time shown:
{"hour": 1, "minute": 51, "second": 9}
